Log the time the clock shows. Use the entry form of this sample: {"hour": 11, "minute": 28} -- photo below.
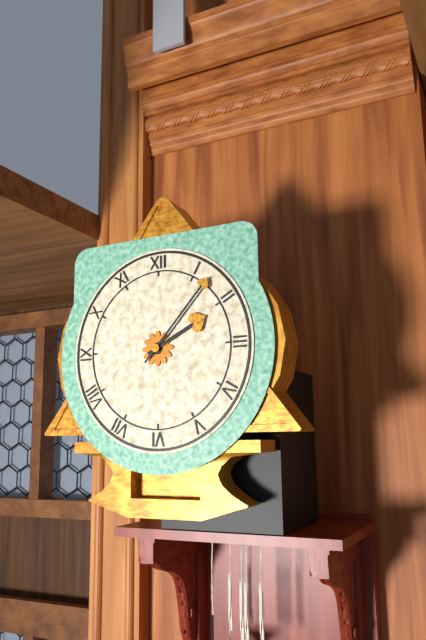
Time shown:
{"hour": 2, "minute": 7}
